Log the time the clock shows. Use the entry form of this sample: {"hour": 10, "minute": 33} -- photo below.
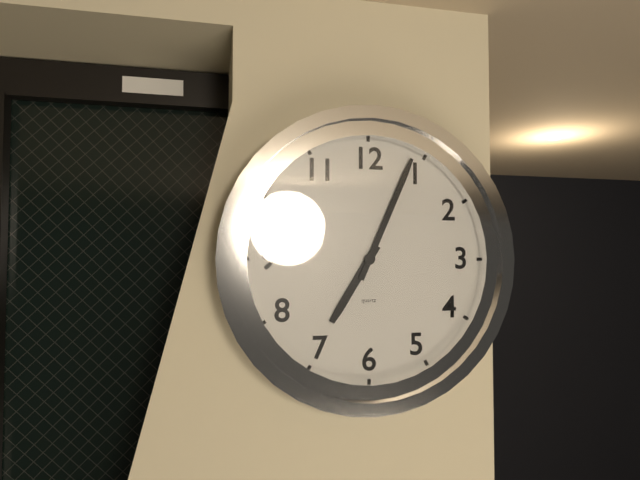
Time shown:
{"hour": 7, "minute": 4}
